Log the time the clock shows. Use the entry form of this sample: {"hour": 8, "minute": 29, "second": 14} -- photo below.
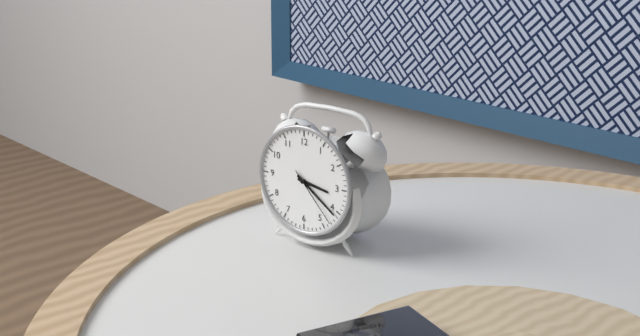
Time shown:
{"hour": 3, "minute": 21, "second": 23}
